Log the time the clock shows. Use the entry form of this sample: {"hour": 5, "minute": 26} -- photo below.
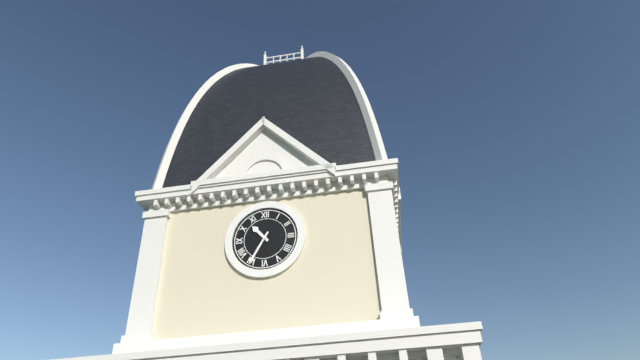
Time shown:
{"hour": 10, "minute": 35}
